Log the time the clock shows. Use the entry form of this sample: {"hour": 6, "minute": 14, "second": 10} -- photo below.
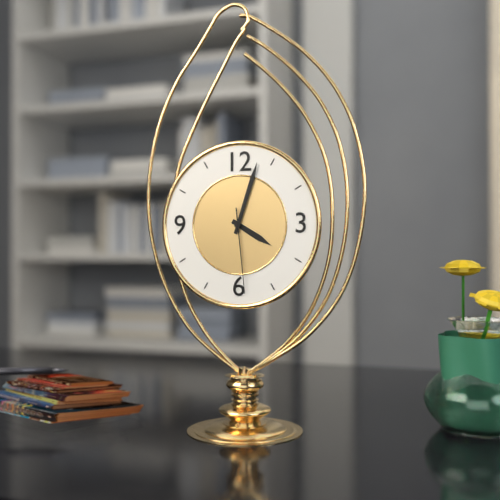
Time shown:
{"hour": 4, "minute": 3, "second": 29}
